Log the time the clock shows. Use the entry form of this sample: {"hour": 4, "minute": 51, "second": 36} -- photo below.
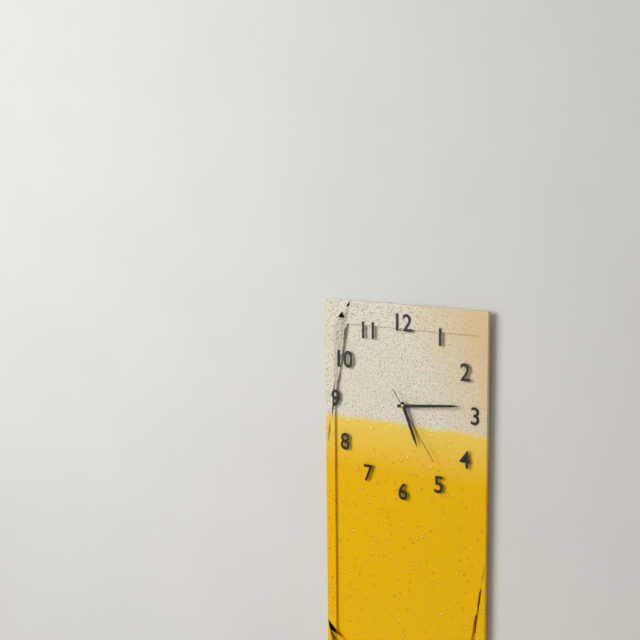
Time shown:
{"hour": 5, "minute": 14, "second": 24}
